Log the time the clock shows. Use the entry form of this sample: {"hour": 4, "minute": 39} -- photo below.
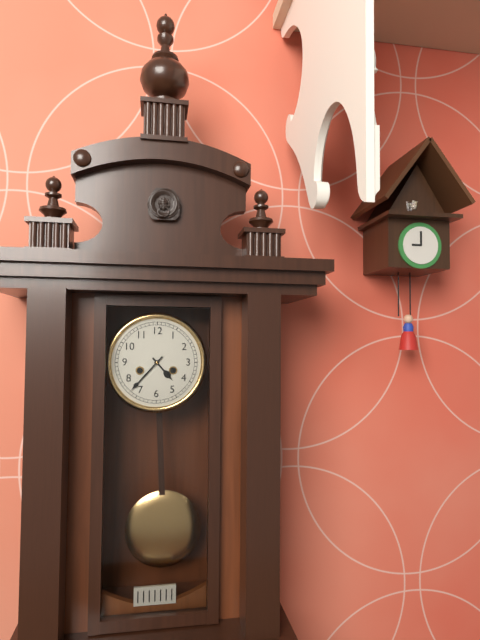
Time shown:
{"hour": 4, "minute": 37}
